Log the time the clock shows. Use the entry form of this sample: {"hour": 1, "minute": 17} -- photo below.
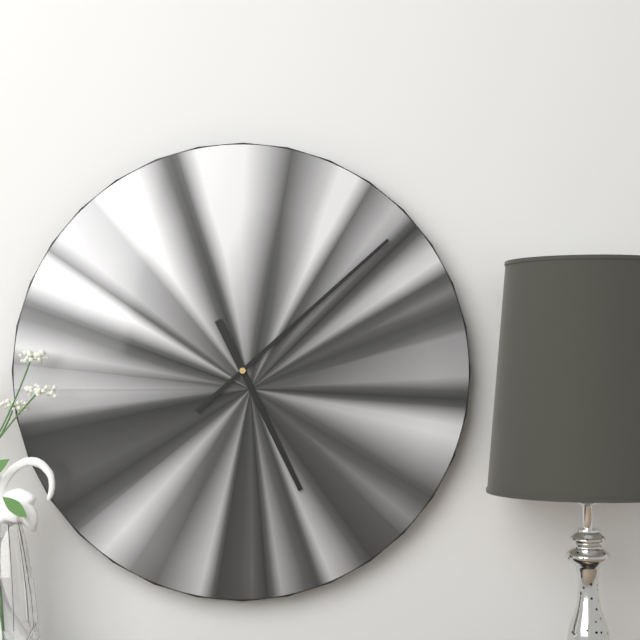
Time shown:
{"hour": 5, "minute": 8}
